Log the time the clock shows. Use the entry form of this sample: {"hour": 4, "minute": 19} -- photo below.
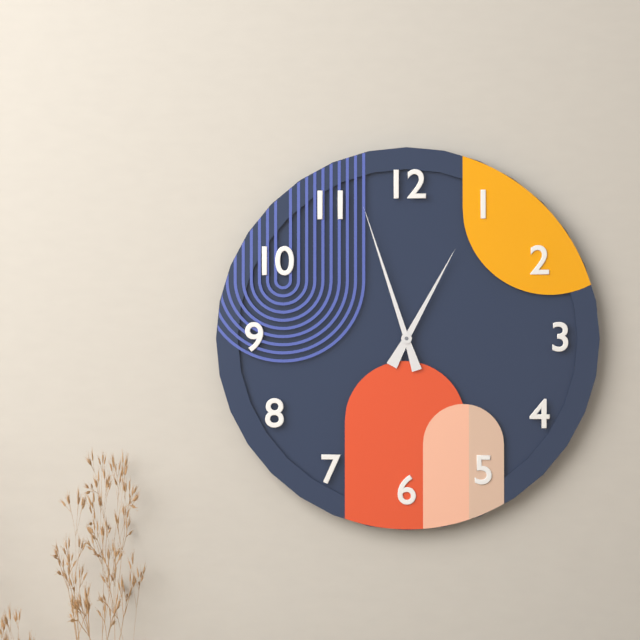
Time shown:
{"hour": 12, "minute": 57}
